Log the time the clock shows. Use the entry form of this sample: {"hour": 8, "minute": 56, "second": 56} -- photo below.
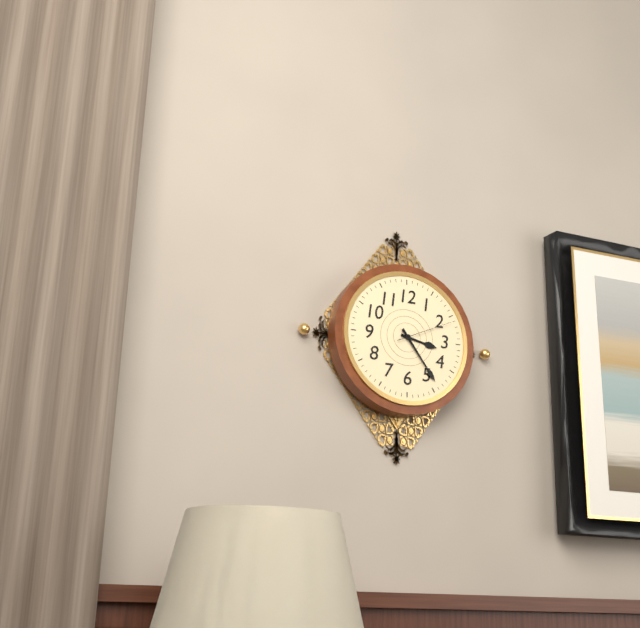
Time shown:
{"hour": 3, "minute": 24, "second": 11}
